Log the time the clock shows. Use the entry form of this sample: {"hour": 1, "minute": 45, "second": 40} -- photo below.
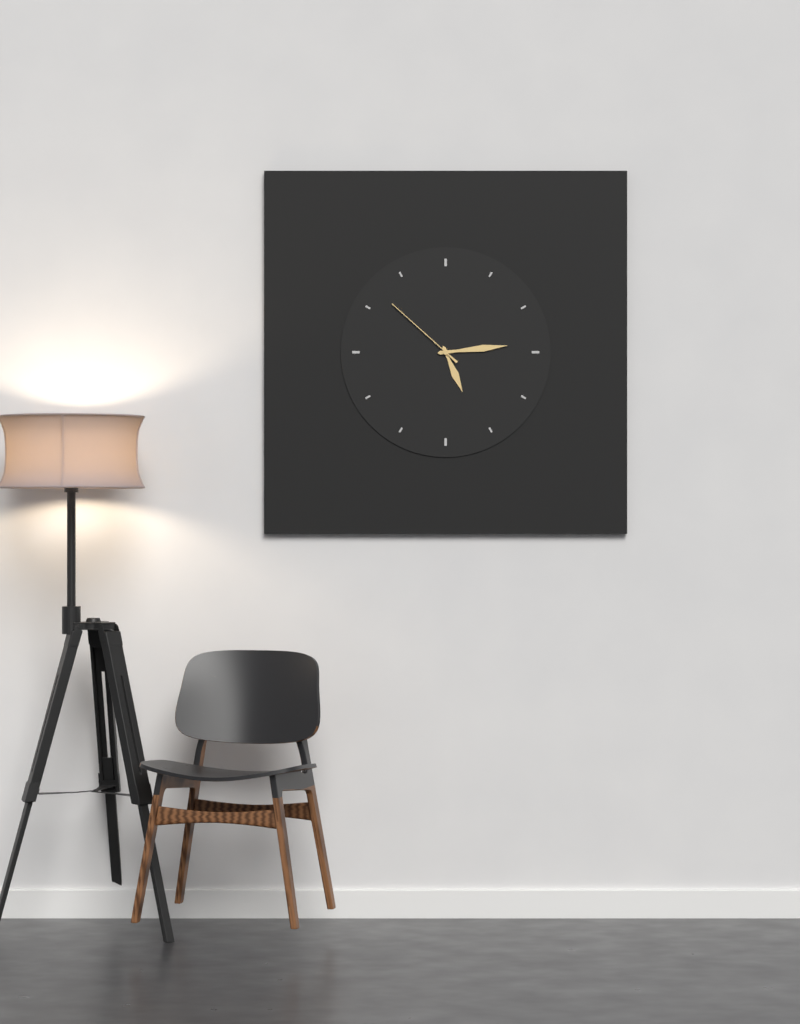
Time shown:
{"hour": 5, "minute": 14, "second": 52}
